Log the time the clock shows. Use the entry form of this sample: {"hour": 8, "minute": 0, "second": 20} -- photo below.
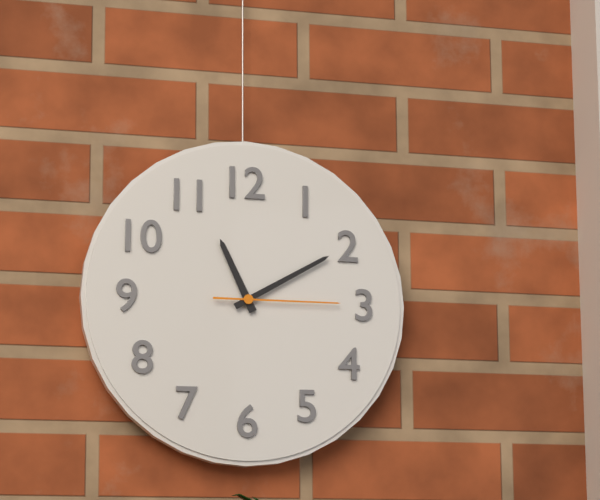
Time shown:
{"hour": 11, "minute": 10, "second": 15}
